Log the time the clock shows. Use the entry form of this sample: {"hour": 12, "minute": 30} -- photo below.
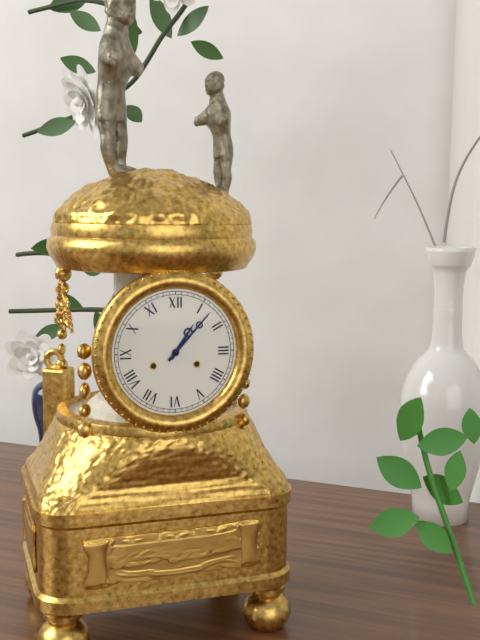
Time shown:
{"hour": 1, "minute": 7}
